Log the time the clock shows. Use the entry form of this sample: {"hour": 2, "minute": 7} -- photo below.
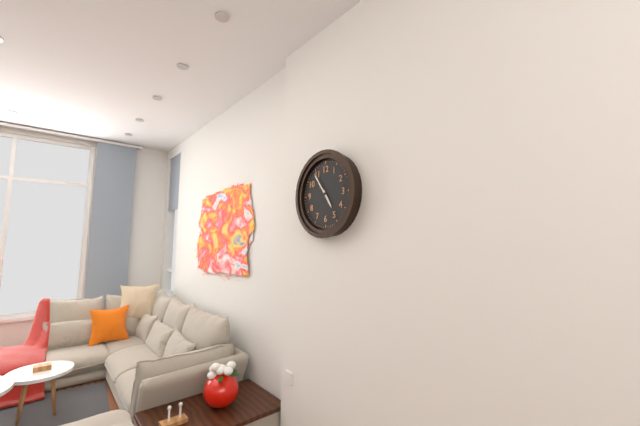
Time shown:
{"hour": 4, "minute": 54}
